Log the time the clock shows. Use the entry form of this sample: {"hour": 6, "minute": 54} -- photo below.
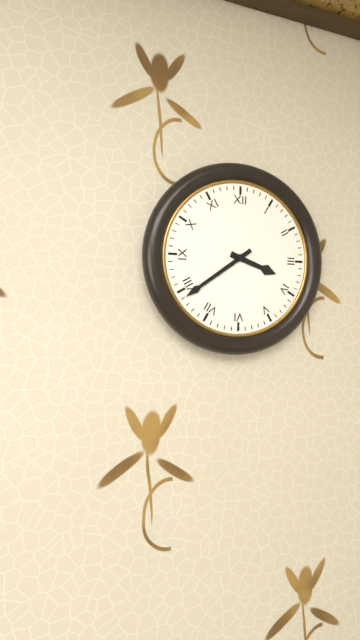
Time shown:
{"hour": 3, "minute": 39}
